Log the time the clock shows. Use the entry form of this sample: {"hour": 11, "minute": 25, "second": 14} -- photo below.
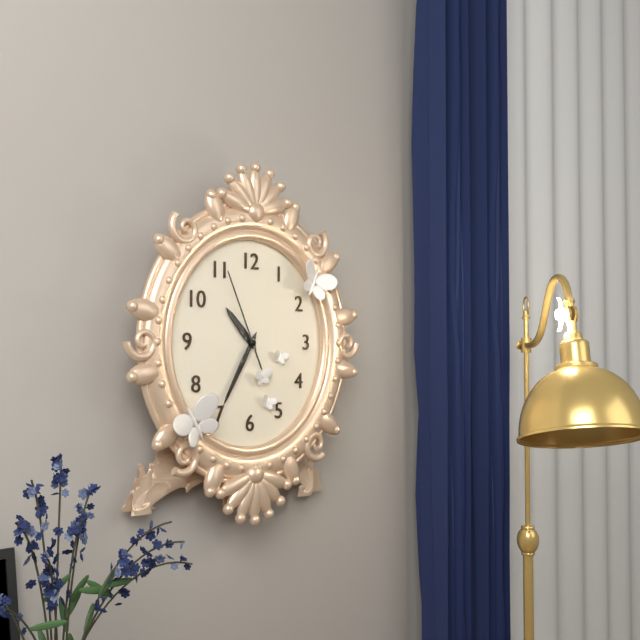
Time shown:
{"hour": 10, "minute": 35, "second": 56}
